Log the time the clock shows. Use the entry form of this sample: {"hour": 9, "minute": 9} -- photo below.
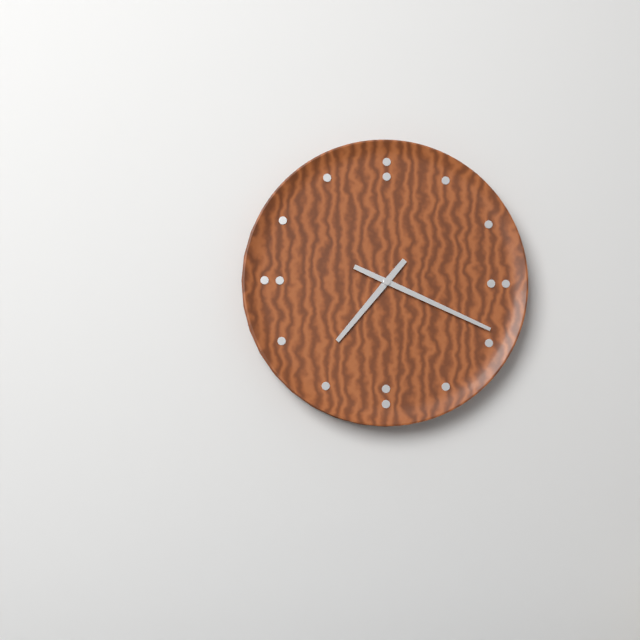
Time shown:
{"hour": 7, "minute": 19}
